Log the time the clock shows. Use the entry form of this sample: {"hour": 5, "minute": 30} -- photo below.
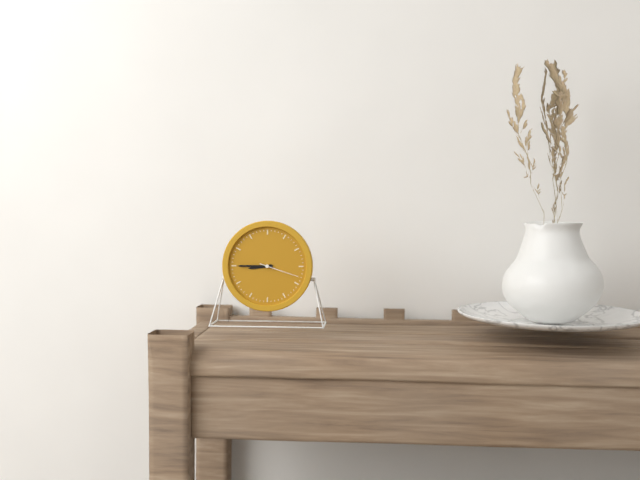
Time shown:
{"hour": 8, "minute": 45}
